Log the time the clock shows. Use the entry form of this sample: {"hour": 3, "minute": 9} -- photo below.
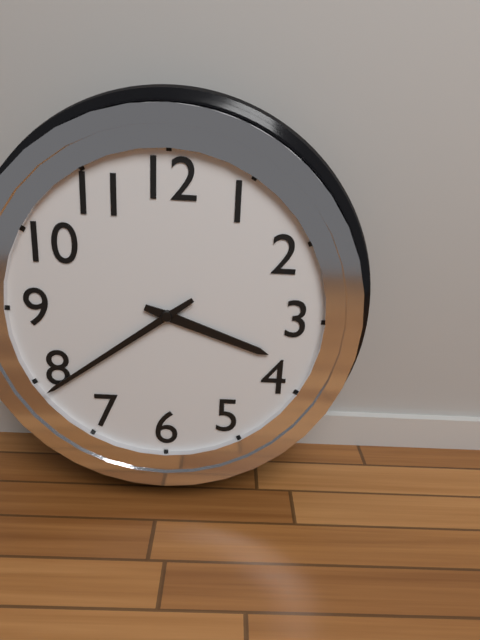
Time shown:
{"hour": 3, "minute": 39}
